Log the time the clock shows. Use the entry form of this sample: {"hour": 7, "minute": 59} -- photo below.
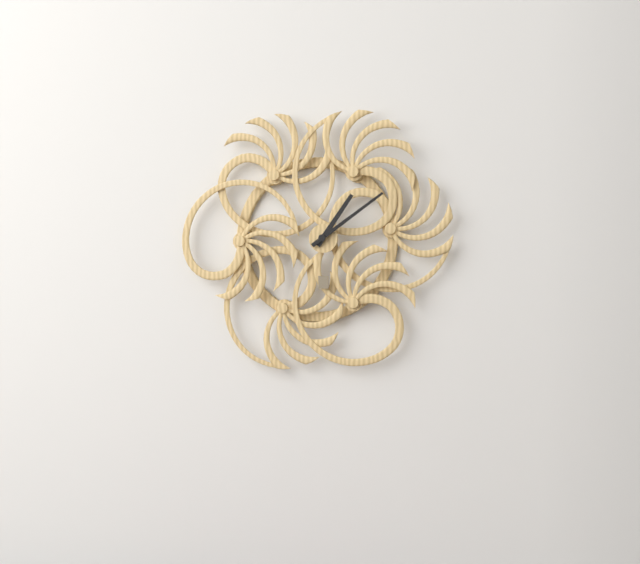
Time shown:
{"hour": 1, "minute": 9}
